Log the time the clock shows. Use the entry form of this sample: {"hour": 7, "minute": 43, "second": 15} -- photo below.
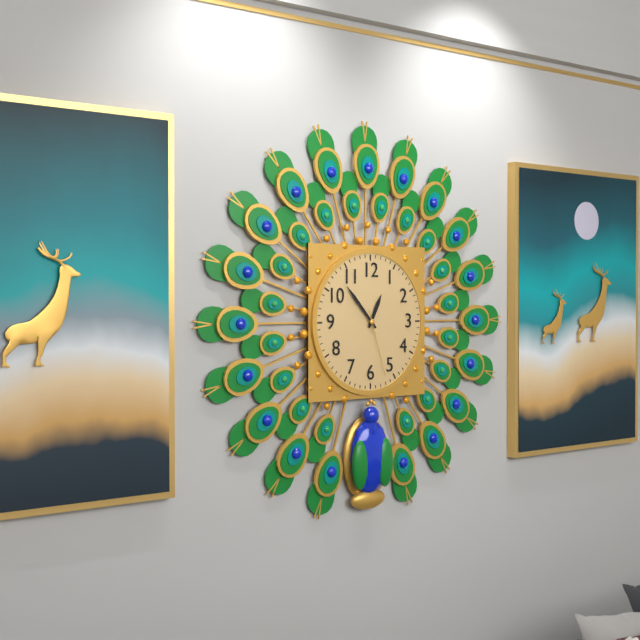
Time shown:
{"hour": 12, "minute": 53, "second": 27}
